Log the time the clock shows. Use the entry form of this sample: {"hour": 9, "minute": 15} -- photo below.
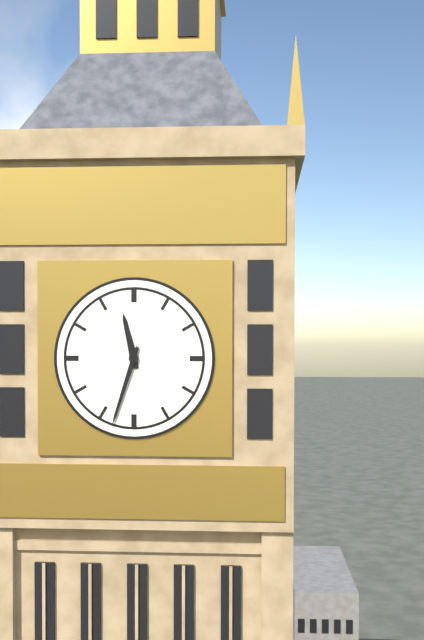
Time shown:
{"hour": 11, "minute": 33}
